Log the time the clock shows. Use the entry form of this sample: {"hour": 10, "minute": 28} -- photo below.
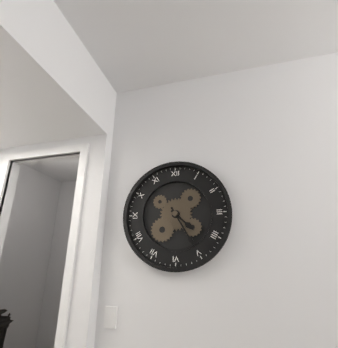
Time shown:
{"hour": 4, "minute": 25}
